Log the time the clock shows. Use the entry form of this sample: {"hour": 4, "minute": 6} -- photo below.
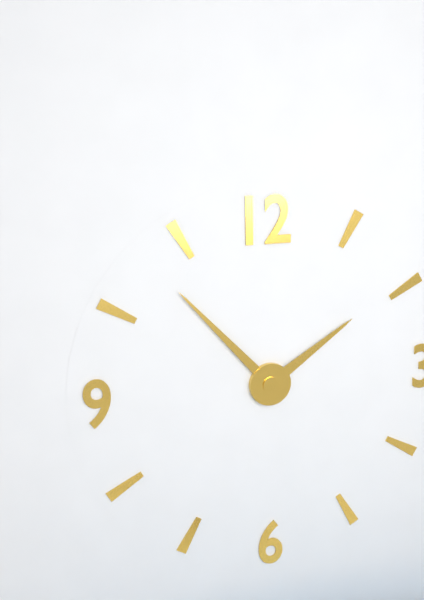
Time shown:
{"hour": 1, "minute": 53}
